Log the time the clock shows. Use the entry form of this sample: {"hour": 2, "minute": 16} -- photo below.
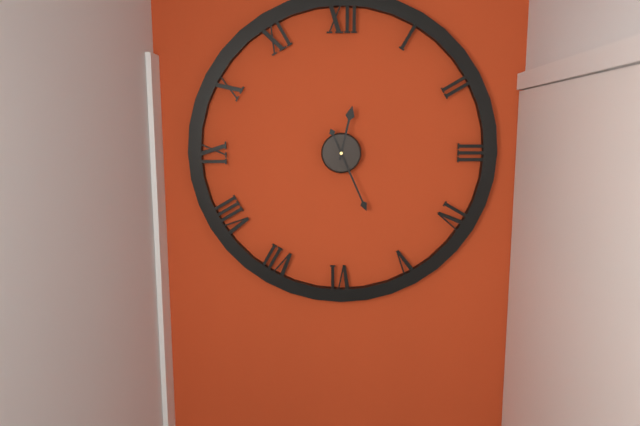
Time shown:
{"hour": 12, "minute": 26}
